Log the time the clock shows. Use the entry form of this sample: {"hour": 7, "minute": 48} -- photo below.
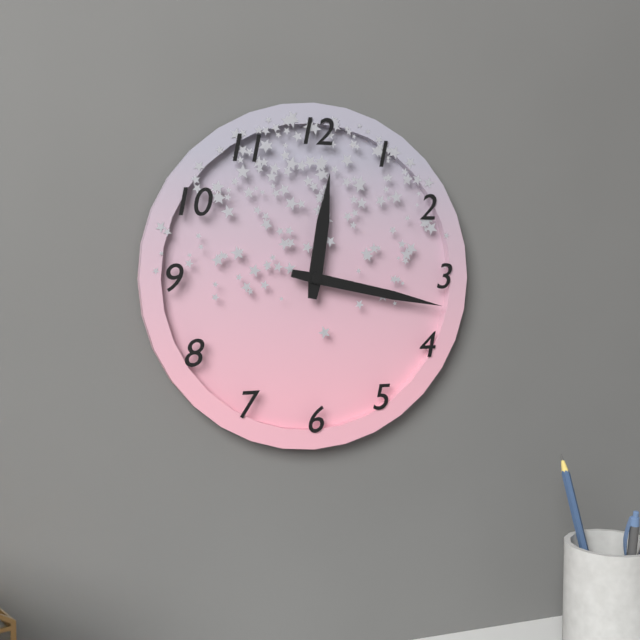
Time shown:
{"hour": 12, "minute": 17}
